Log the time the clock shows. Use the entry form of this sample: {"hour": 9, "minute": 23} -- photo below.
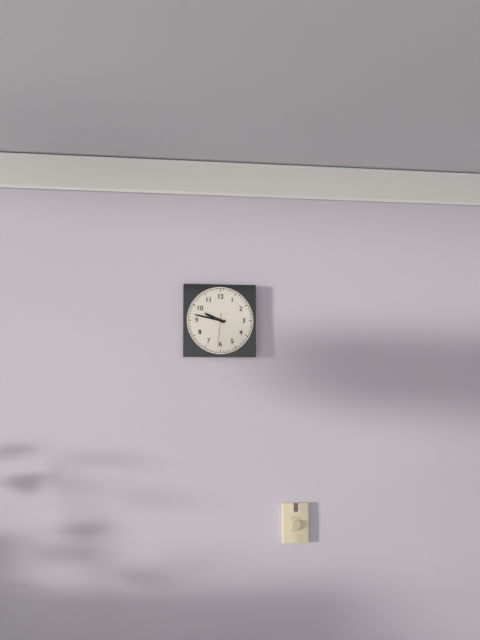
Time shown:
{"hour": 9, "minute": 47}
